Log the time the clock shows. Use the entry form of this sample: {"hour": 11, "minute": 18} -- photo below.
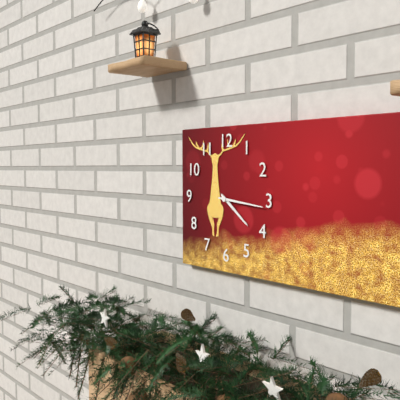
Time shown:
{"hour": 4, "minute": 16}
